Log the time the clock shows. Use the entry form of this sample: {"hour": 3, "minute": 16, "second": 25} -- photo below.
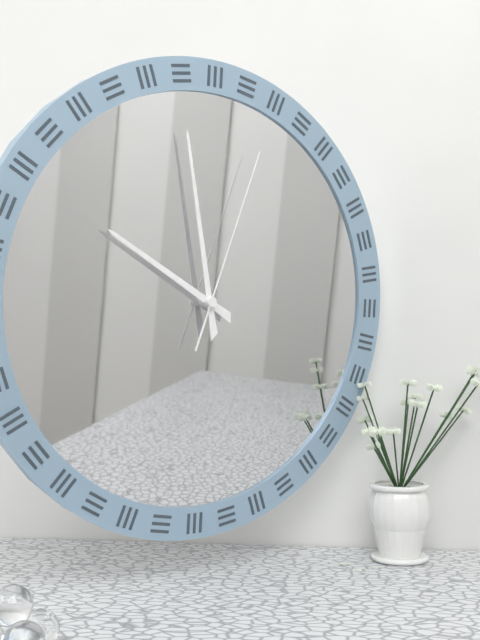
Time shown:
{"hour": 9, "minute": 58, "second": 3}
